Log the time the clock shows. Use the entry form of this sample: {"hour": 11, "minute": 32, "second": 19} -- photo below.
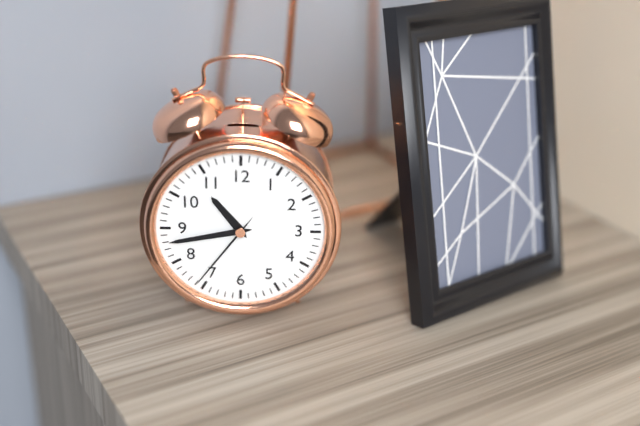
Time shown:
{"hour": 10, "minute": 43, "second": 36}
